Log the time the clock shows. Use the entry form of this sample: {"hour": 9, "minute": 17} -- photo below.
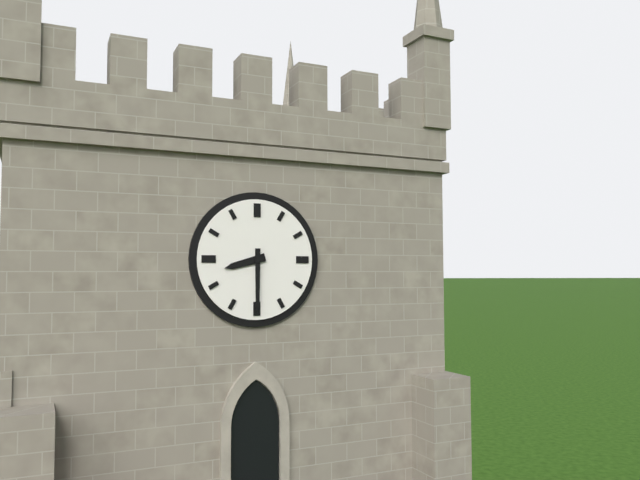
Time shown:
{"hour": 8, "minute": 30}
